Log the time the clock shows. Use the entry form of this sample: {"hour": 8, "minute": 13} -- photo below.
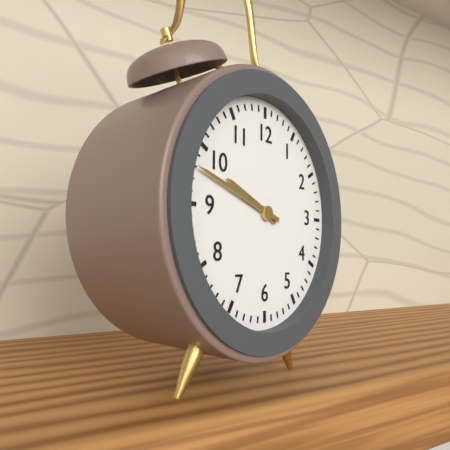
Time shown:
{"hour": 9, "minute": 48}
